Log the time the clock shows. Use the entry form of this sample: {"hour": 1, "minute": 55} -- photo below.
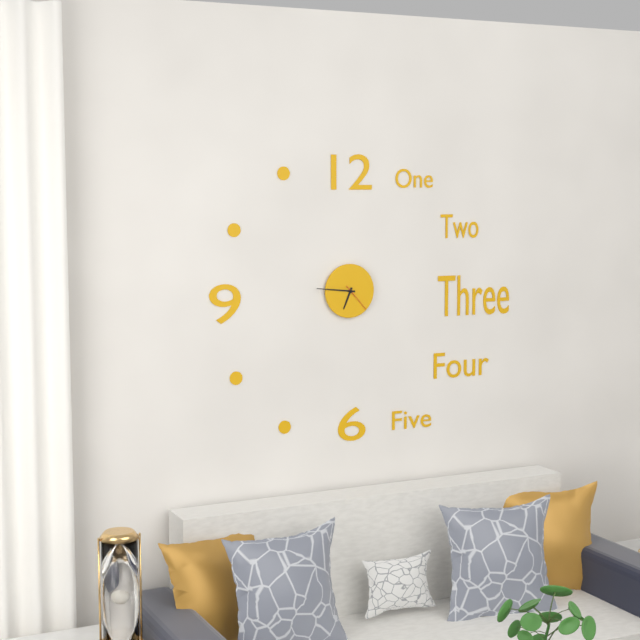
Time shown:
{"hour": 6, "minute": 46}
